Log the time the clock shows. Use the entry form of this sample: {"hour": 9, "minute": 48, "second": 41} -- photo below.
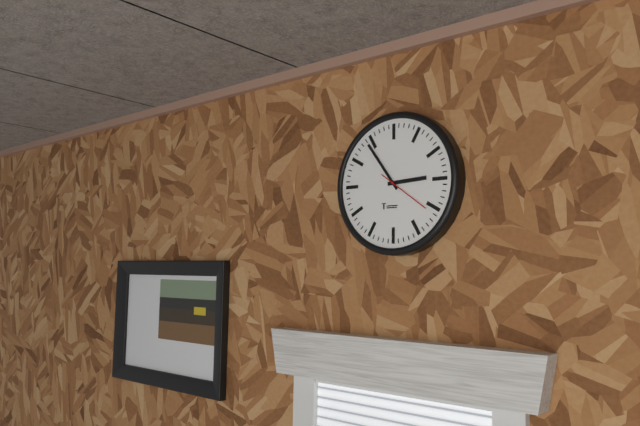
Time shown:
{"hour": 2, "minute": 54, "second": 21}
